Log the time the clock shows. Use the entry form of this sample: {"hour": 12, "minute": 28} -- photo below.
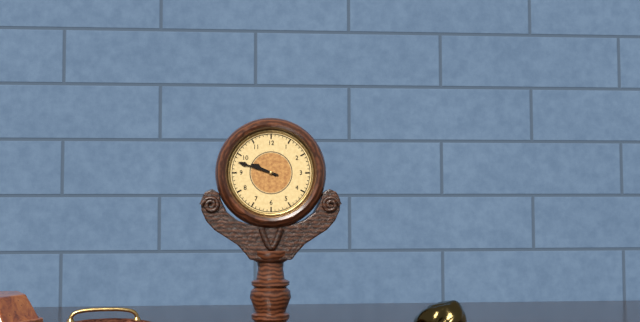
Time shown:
{"hour": 9, "minute": 48}
